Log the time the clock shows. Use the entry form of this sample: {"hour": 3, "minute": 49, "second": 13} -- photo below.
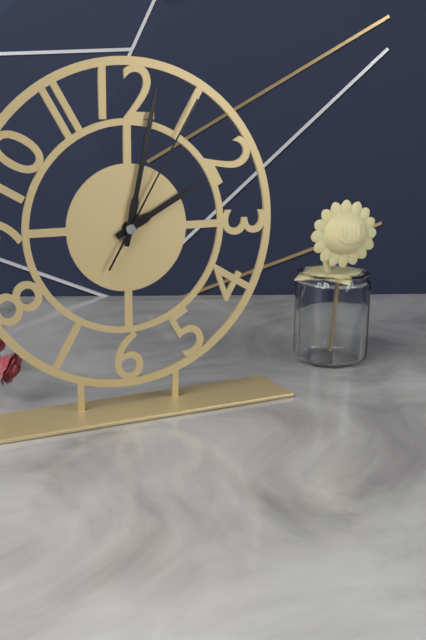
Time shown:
{"hour": 2, "minute": 2, "second": 5}
